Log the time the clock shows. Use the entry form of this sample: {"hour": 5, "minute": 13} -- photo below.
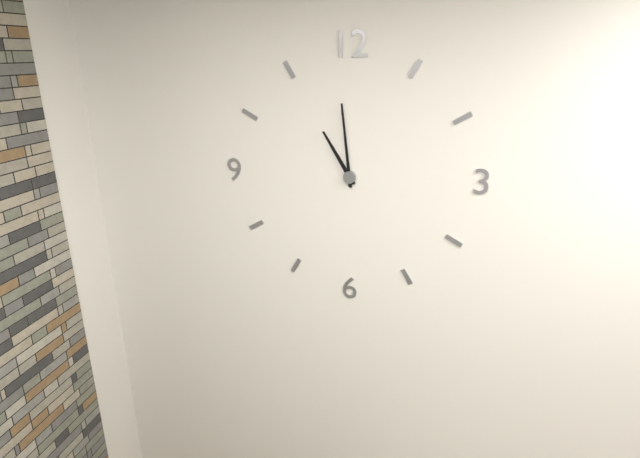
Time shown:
{"hour": 10, "minute": 59}
